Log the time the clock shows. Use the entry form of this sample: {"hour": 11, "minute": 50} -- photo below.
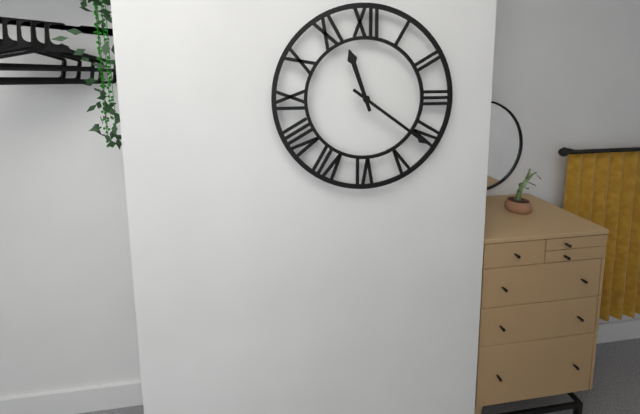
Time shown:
{"hour": 11, "minute": 21}
